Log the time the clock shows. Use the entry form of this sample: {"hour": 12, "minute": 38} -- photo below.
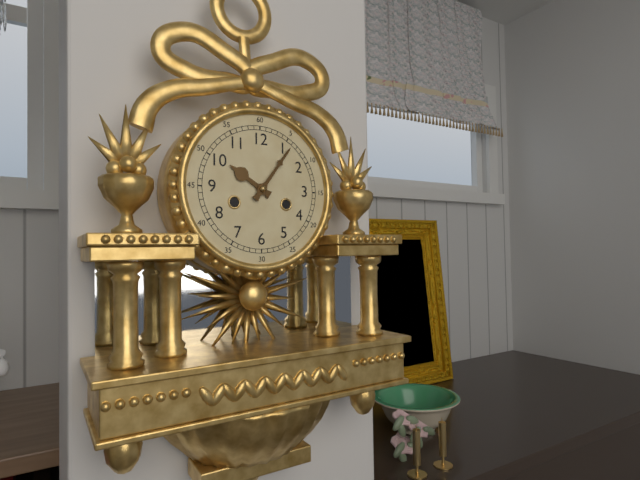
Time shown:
{"hour": 10, "minute": 6}
